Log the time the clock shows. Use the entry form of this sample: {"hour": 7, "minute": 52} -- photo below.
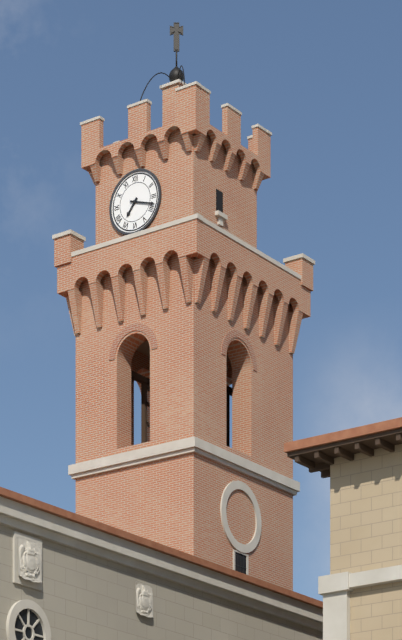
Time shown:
{"hour": 7, "minute": 18}
